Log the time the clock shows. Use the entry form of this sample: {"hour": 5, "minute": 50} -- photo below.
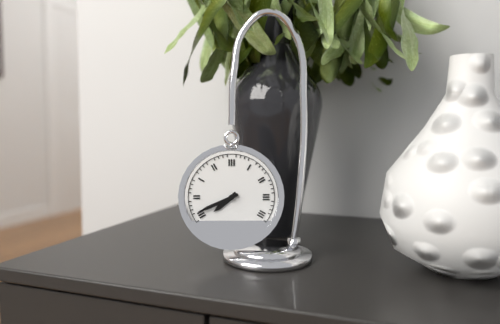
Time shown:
{"hour": 7, "minute": 41}
